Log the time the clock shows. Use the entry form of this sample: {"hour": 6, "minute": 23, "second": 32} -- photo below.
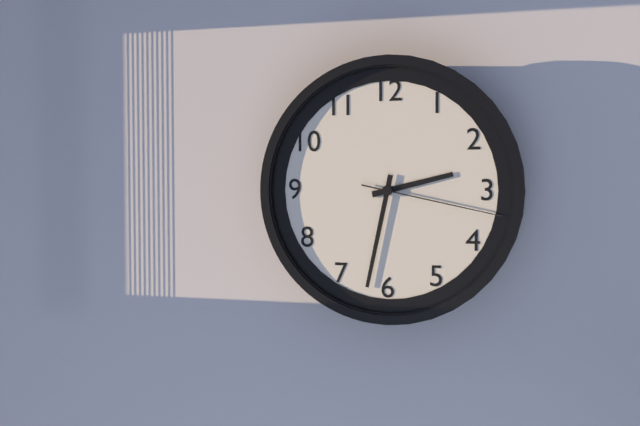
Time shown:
{"hour": 2, "minute": 32, "second": 17}
